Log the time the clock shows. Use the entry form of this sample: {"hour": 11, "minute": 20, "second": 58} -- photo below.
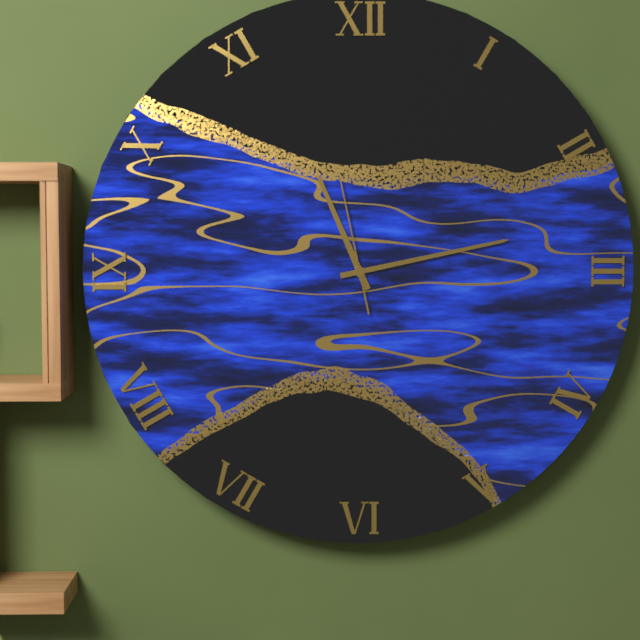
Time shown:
{"hour": 11, "minute": 13, "second": 58}
